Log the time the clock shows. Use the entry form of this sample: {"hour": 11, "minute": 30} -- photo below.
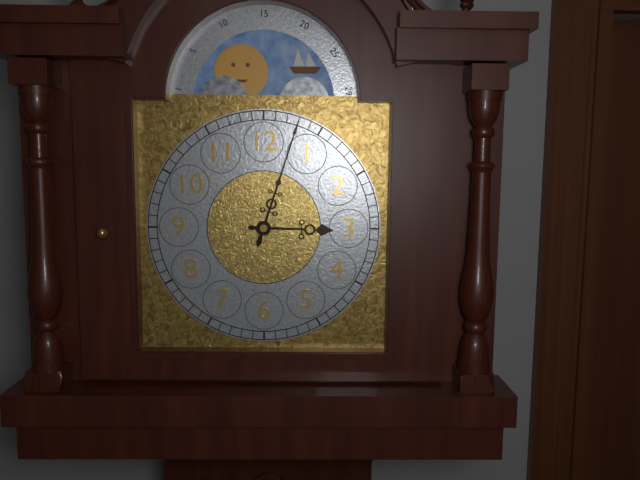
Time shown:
{"hour": 3, "minute": 3}
